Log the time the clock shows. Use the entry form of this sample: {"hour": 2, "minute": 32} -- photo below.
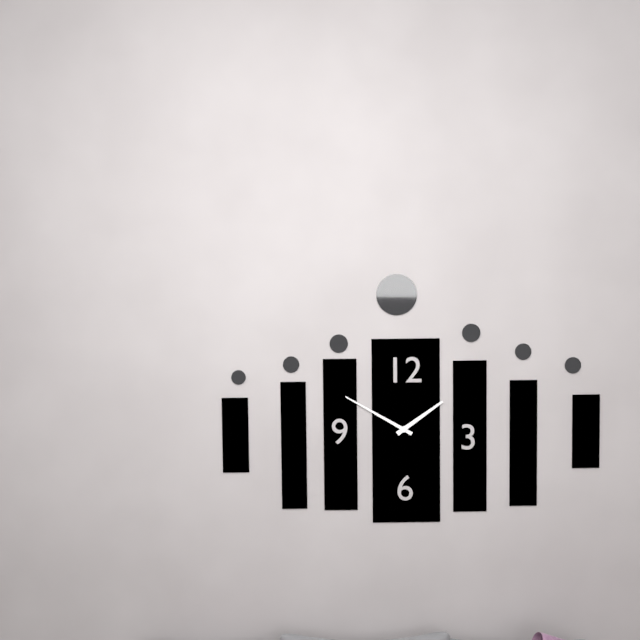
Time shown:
{"hour": 1, "minute": 50}
